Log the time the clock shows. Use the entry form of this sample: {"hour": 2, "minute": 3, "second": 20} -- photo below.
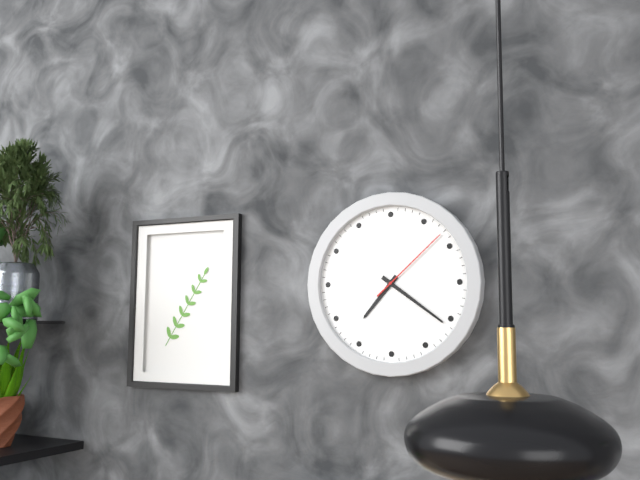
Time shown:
{"hour": 7, "minute": 21, "second": 8}
